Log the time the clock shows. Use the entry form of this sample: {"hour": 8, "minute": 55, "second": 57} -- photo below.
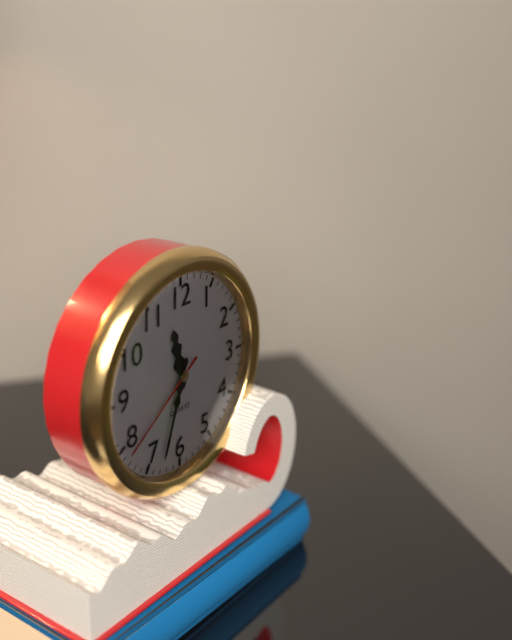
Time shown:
{"hour": 11, "minute": 33, "second": 39}
